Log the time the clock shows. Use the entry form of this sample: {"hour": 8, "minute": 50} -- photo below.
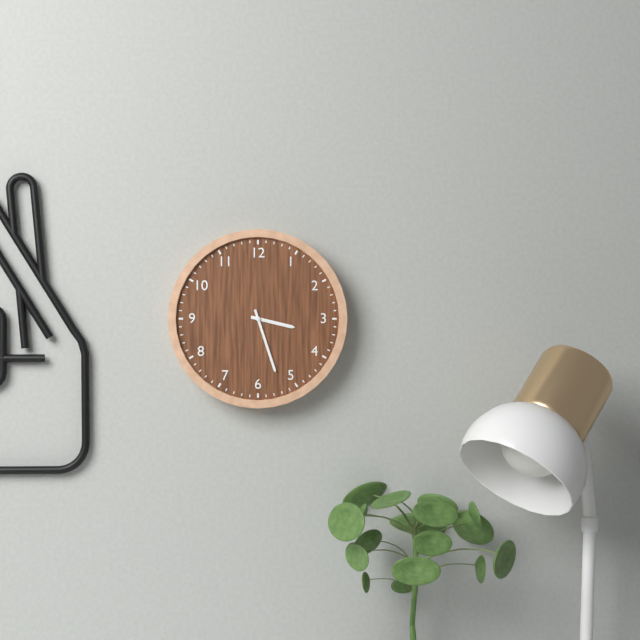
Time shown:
{"hour": 3, "minute": 27}
